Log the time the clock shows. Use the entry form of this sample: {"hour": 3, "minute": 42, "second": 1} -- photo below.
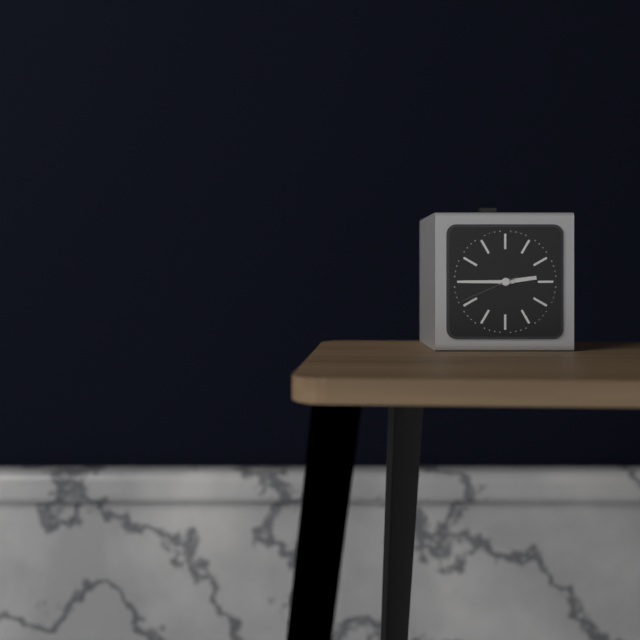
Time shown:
{"hour": 2, "minute": 45, "second": 41}
